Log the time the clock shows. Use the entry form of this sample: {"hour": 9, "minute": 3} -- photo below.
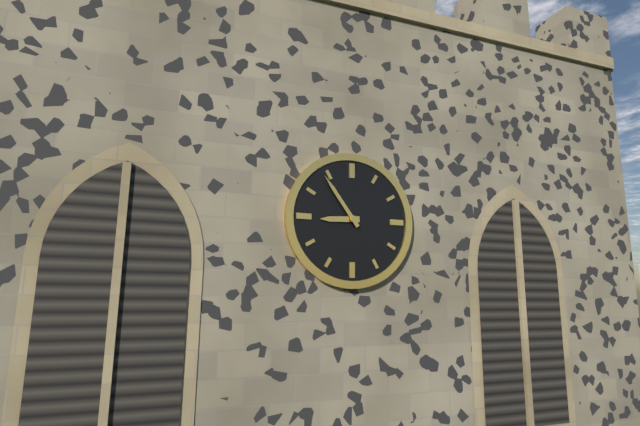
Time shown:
{"hour": 8, "minute": 54}
